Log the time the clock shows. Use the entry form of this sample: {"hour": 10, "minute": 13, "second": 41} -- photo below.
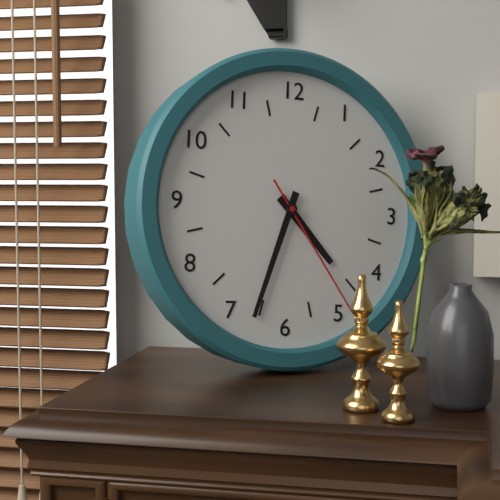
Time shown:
{"hour": 4, "minute": 33, "second": 24}
